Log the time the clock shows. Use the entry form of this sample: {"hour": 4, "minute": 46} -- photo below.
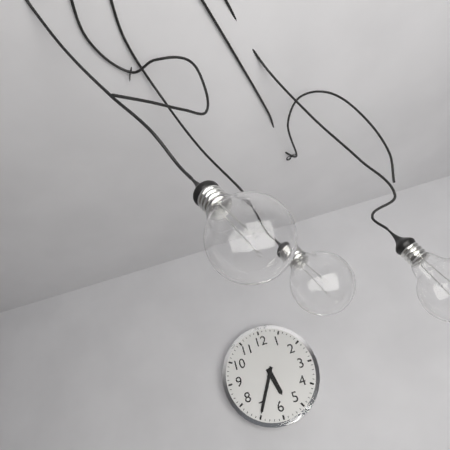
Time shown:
{"hour": 5, "minute": 35}
